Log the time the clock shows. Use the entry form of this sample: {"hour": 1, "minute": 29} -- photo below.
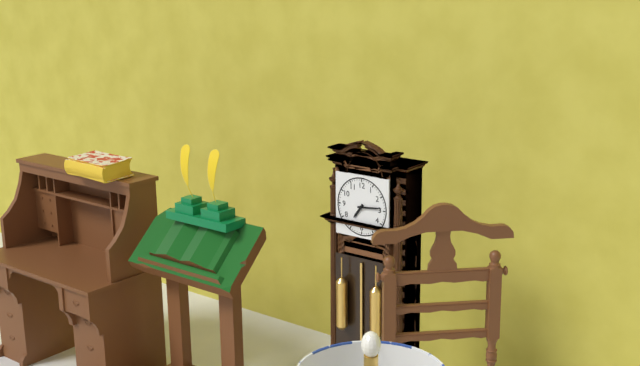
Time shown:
{"hour": 7, "minute": 14}
